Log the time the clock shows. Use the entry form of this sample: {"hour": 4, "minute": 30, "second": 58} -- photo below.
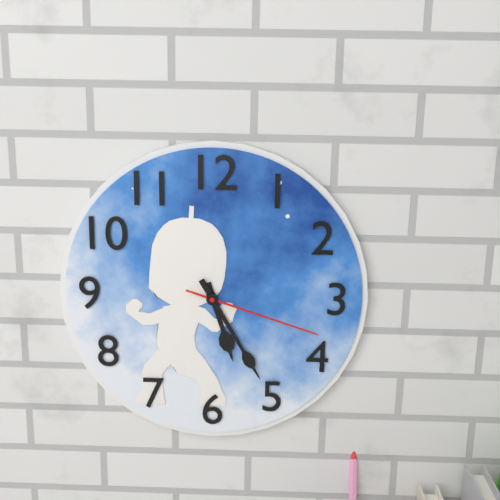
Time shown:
{"hour": 5, "minute": 25, "second": 18}
